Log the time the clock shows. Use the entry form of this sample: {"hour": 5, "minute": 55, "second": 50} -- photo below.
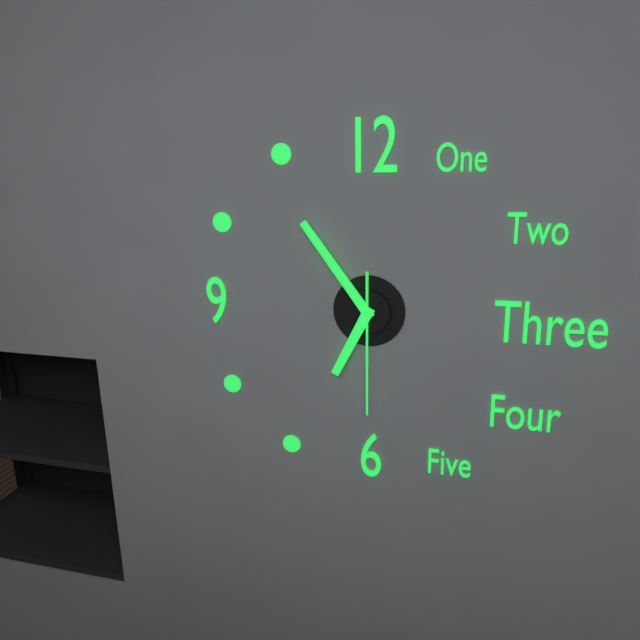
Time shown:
{"hour": 6, "minute": 54, "second": 30}
